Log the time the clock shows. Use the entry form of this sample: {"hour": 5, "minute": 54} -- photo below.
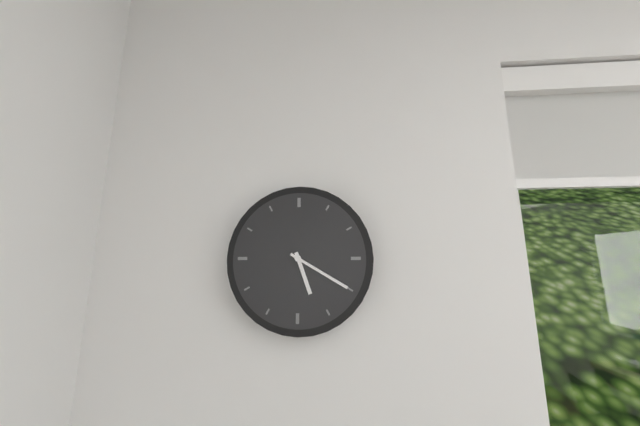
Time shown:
{"hour": 5, "minute": 20}
